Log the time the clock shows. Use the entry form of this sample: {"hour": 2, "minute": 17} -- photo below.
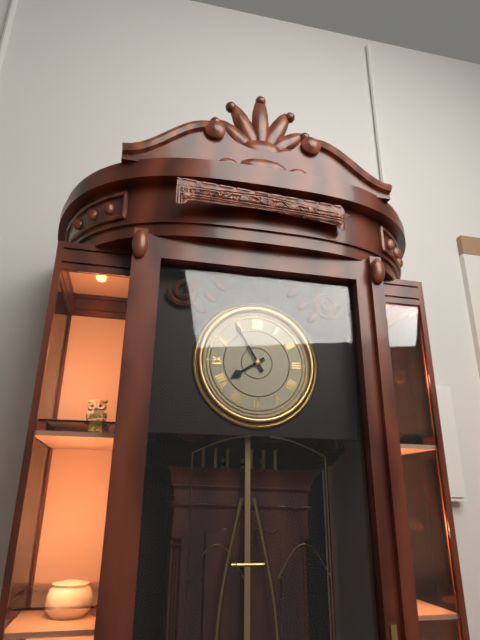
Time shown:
{"hour": 7, "minute": 55}
